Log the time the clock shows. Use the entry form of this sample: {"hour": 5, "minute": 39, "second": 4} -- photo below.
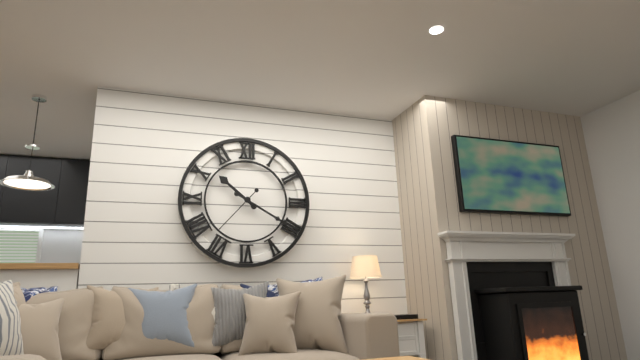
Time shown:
{"hour": 10, "minute": 20, "second": 37}
